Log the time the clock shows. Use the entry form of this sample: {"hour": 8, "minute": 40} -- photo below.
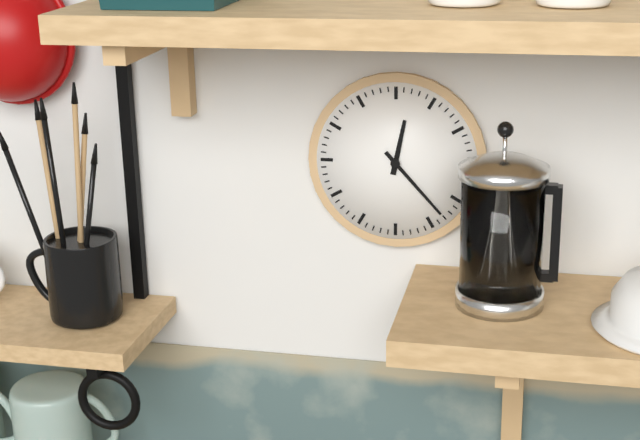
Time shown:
{"hour": 12, "minute": 23}
